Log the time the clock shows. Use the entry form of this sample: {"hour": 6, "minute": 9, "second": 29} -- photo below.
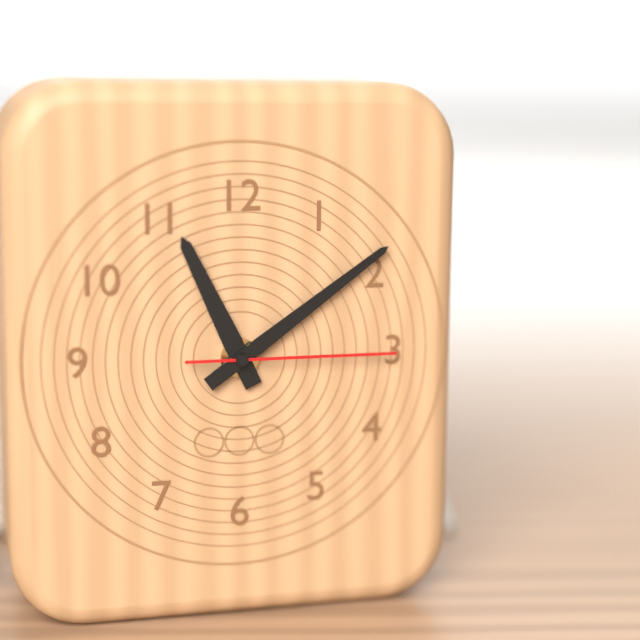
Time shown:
{"hour": 11, "minute": 9, "second": 15}
